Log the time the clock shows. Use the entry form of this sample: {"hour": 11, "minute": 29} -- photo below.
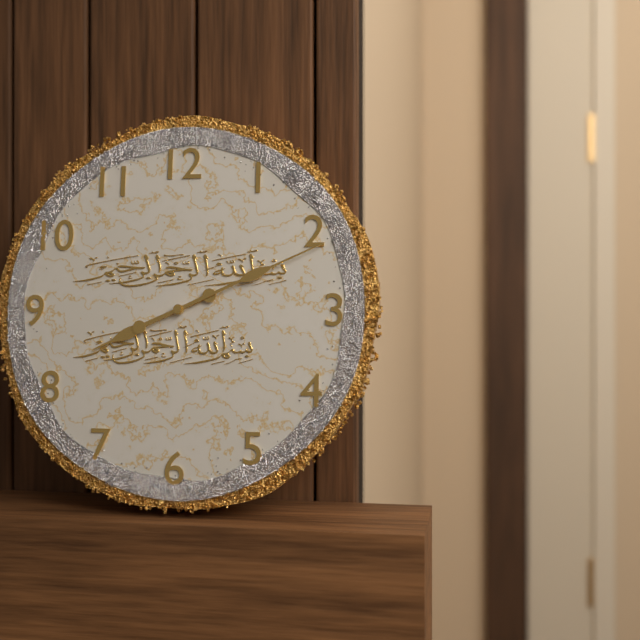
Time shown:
{"hour": 8, "minute": 11}
